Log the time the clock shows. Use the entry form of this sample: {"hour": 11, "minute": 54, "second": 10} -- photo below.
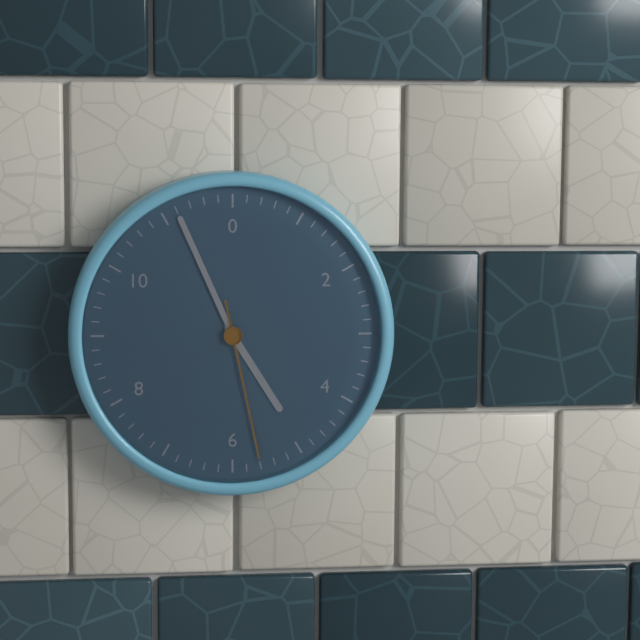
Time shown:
{"hour": 4, "minute": 56, "second": 28}
